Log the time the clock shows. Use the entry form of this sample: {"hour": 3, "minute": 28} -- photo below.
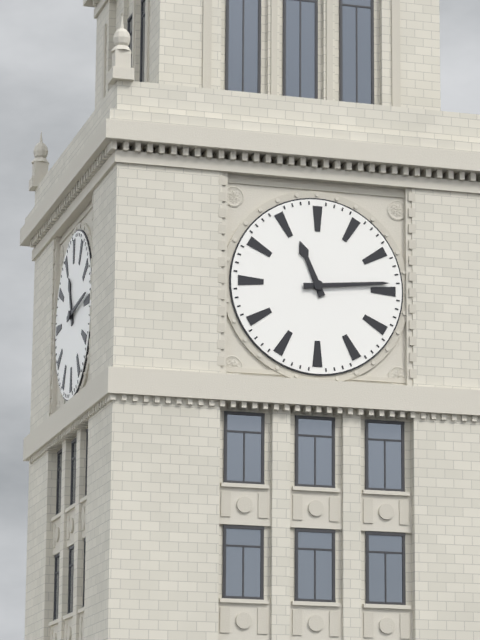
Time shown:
{"hour": 11, "minute": 14}
